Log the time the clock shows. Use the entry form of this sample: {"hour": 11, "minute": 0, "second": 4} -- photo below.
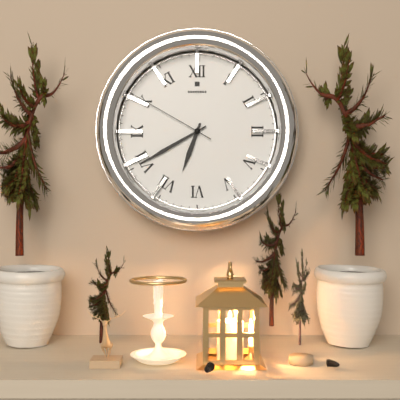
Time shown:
{"hour": 6, "minute": 40, "second": 50}
